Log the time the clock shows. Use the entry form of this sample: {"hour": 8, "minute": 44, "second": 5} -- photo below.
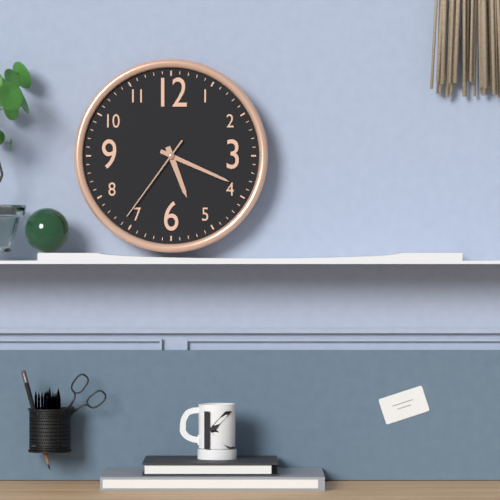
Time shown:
{"hour": 5, "minute": 19, "second": 36}
